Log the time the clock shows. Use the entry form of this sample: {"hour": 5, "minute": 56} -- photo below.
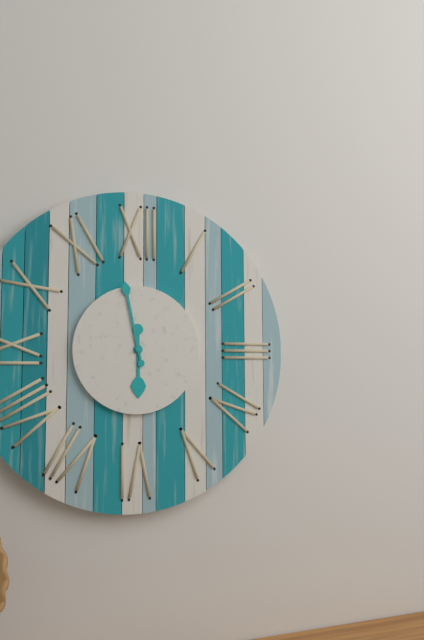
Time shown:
{"hour": 5, "minute": 58}
